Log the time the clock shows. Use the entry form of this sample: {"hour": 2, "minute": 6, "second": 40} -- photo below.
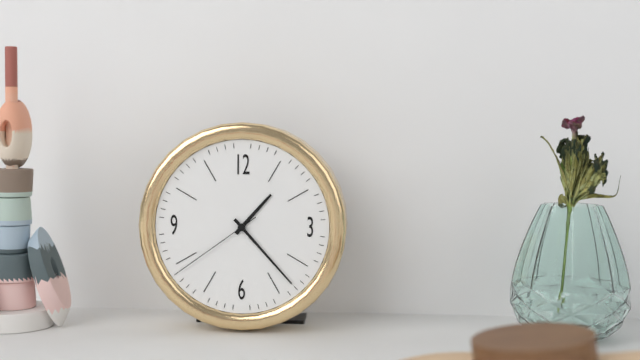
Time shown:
{"hour": 1, "minute": 23, "second": 39}
